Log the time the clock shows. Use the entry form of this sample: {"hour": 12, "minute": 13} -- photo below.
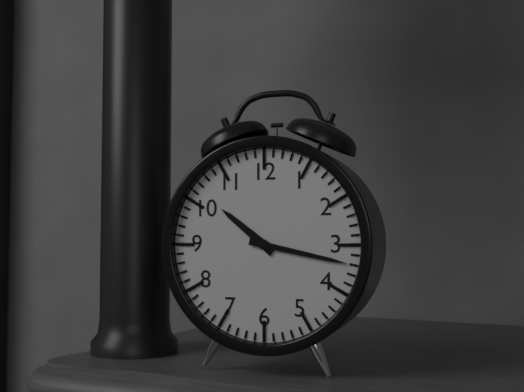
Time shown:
{"hour": 10, "minute": 17}
